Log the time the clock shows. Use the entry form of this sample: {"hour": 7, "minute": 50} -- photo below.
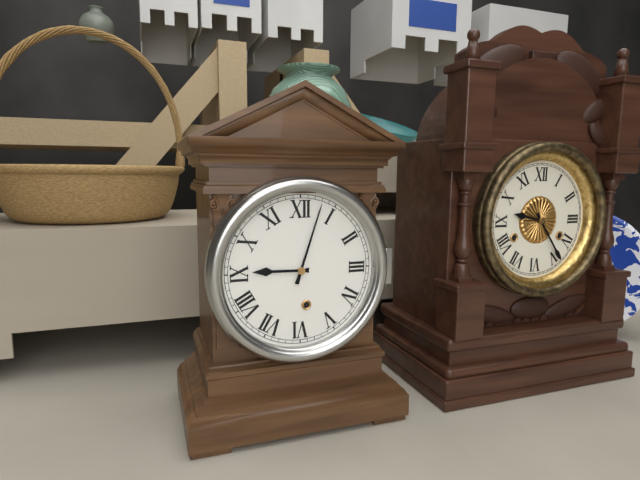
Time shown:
{"hour": 9, "minute": 3}
